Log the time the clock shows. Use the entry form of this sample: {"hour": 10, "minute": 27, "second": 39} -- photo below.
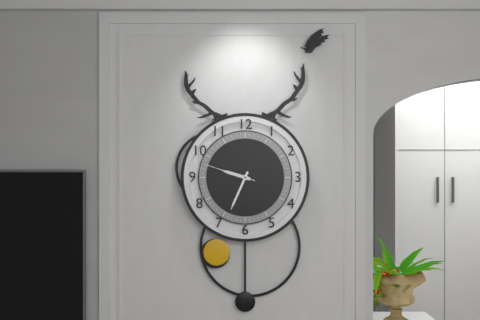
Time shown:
{"hour": 9, "minute": 34, "second": 48}
